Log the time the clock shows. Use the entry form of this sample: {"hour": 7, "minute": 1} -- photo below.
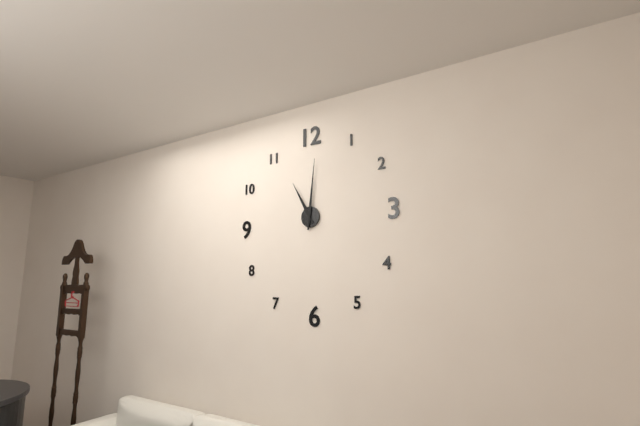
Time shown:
{"hour": 11, "minute": 1}
